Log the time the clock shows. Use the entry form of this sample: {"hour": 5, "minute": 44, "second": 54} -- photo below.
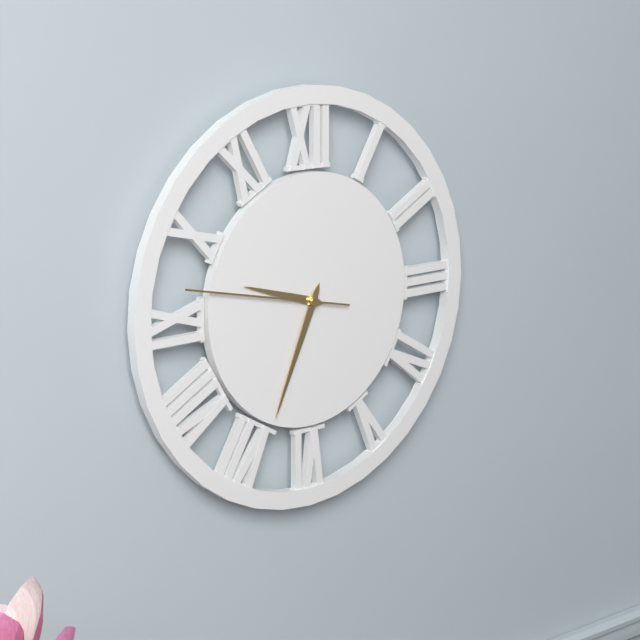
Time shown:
{"hour": 9, "minute": 34, "second": 47}
